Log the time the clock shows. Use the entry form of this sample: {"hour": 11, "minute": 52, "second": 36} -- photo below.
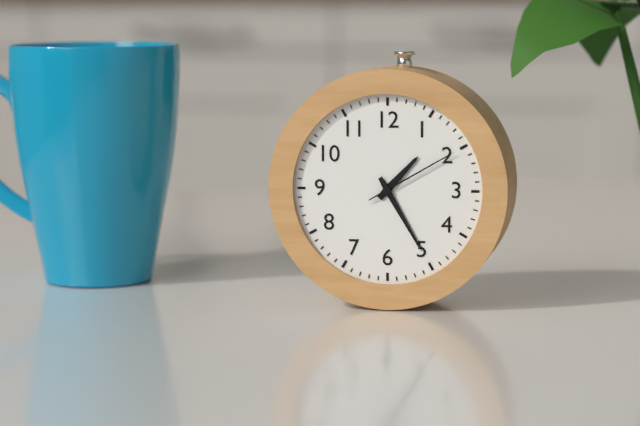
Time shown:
{"hour": 1, "minute": 25, "second": 10}
